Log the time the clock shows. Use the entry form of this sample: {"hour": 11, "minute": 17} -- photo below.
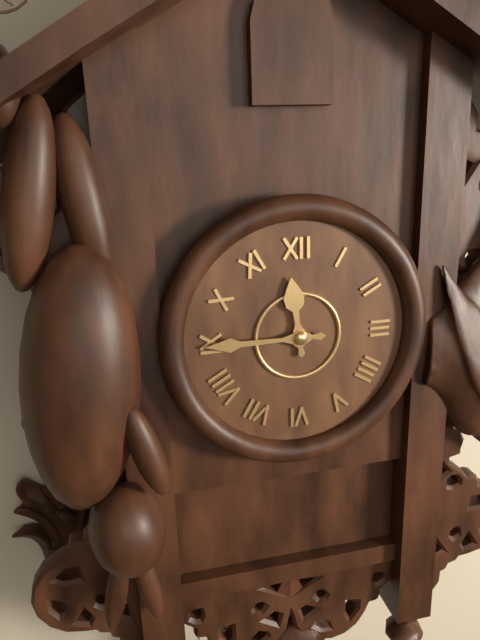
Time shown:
{"hour": 11, "minute": 45}
